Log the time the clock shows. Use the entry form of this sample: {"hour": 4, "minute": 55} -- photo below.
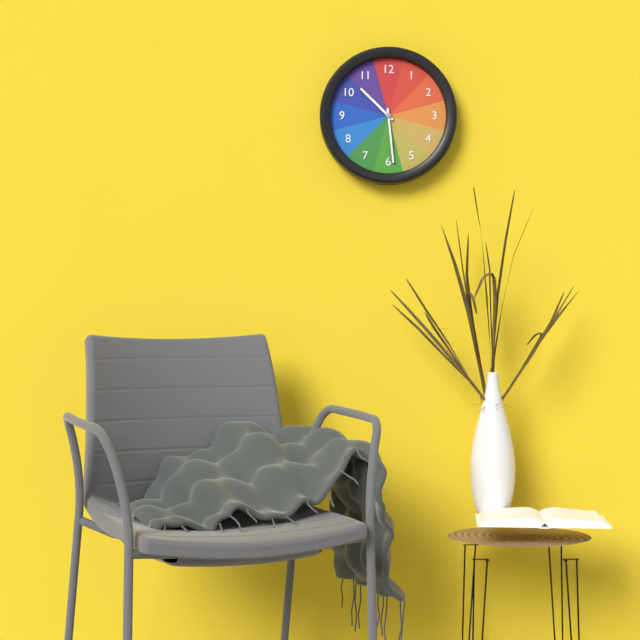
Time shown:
{"hour": 10, "minute": 29}
